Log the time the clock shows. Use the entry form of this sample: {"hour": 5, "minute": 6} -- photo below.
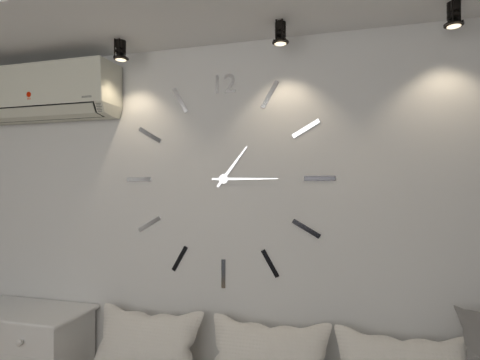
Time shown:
{"hour": 1, "minute": 15}
